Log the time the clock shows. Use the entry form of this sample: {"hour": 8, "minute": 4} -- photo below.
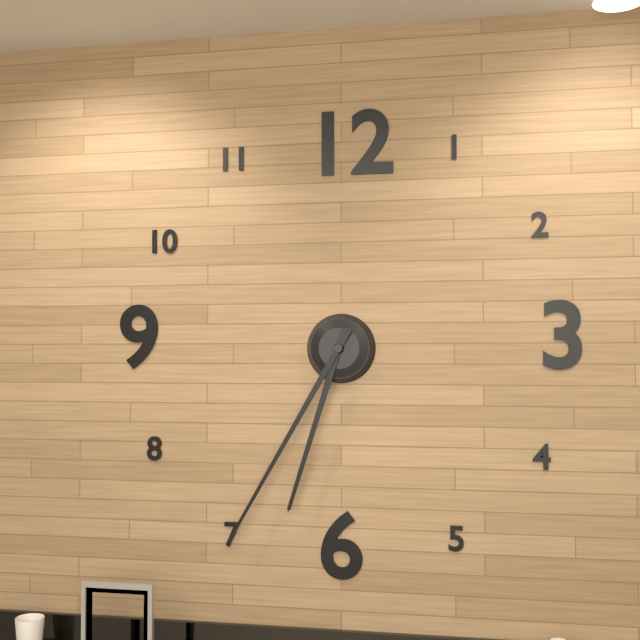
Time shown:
{"hour": 6, "minute": 35}
